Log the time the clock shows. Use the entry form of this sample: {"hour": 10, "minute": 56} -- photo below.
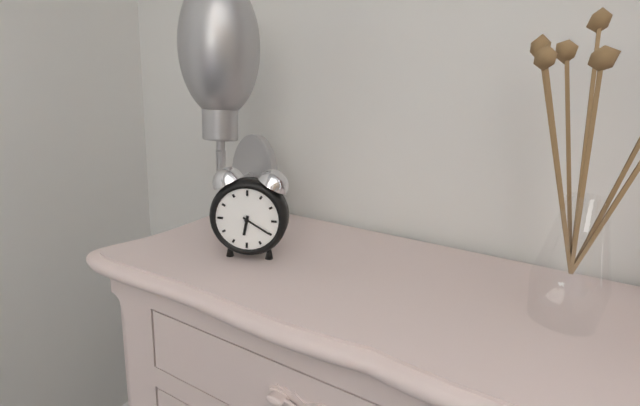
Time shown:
{"hour": 6, "minute": 20}
